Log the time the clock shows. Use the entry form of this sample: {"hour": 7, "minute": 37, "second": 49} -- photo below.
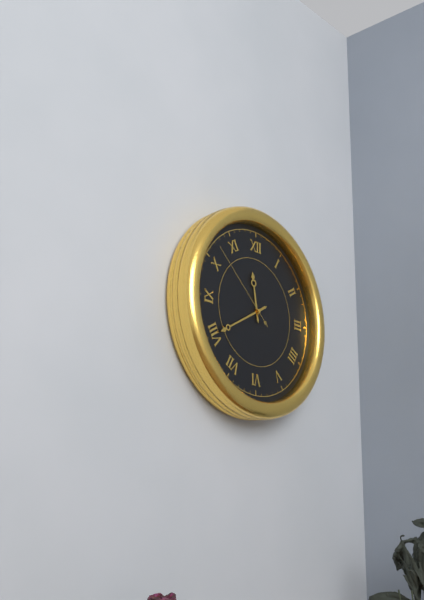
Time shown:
{"hour": 11, "minute": 40, "second": 52}
